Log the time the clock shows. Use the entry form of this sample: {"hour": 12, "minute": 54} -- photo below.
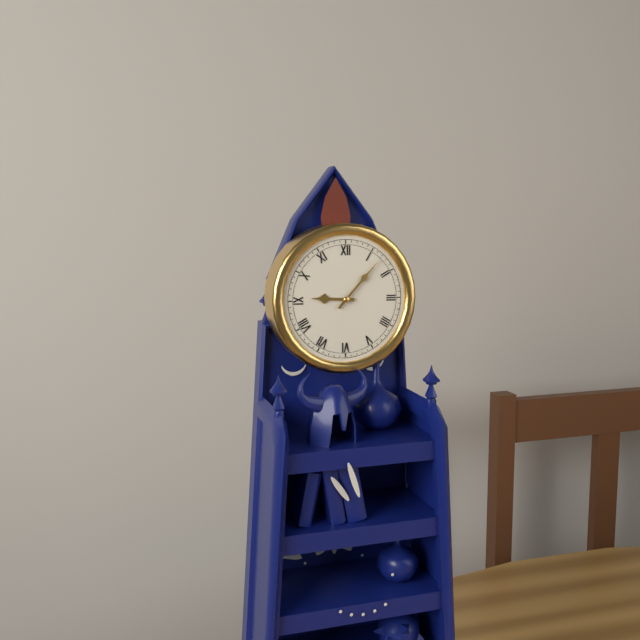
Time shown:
{"hour": 9, "minute": 7}
